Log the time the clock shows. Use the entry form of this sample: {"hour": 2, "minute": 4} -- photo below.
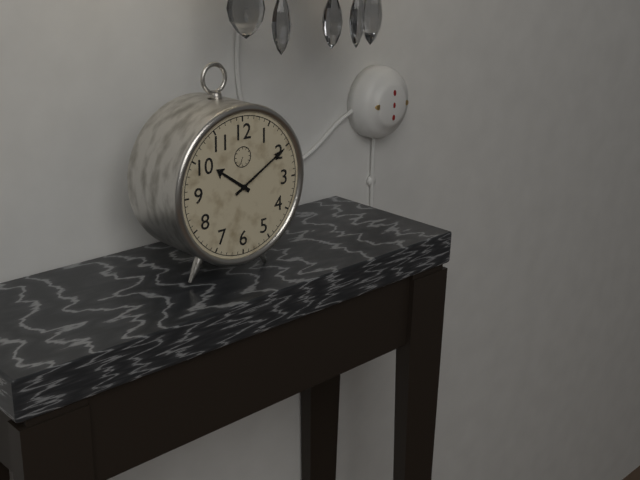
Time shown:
{"hour": 10, "minute": 10}
